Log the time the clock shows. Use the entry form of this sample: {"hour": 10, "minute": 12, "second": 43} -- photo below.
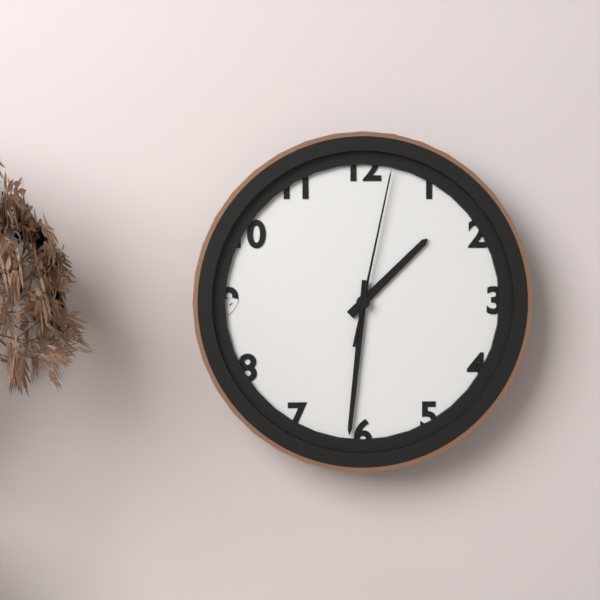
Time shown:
{"hour": 1, "minute": 31, "second": 2}
